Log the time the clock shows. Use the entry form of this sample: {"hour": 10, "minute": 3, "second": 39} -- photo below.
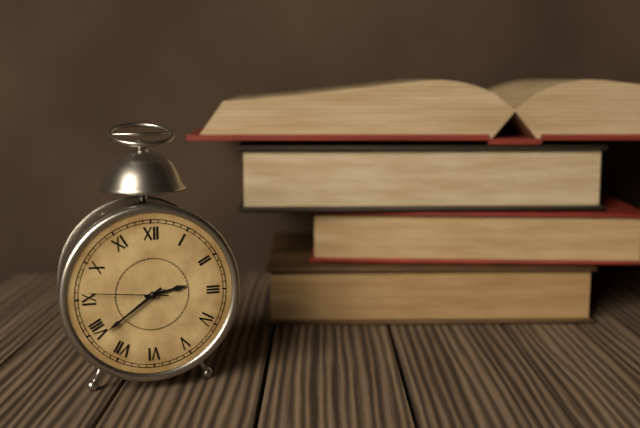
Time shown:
{"hour": 2, "minute": 39, "second": 46}
